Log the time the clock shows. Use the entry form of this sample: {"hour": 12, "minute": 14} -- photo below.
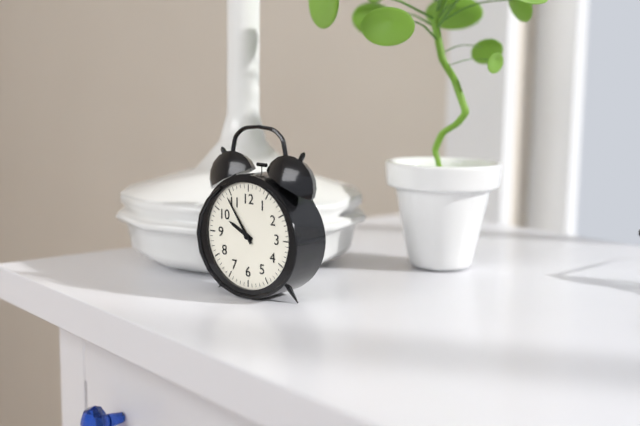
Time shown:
{"hour": 9, "minute": 54}
